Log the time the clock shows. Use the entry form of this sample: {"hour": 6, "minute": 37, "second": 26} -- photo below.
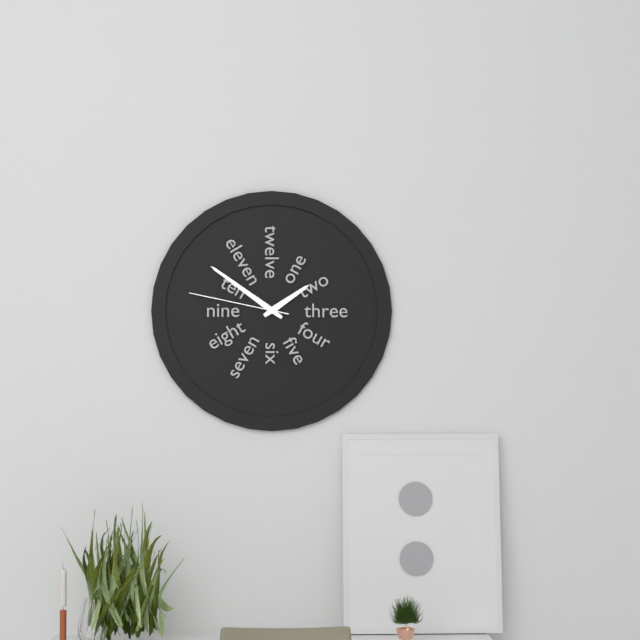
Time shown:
{"hour": 1, "minute": 51, "second": 47}
